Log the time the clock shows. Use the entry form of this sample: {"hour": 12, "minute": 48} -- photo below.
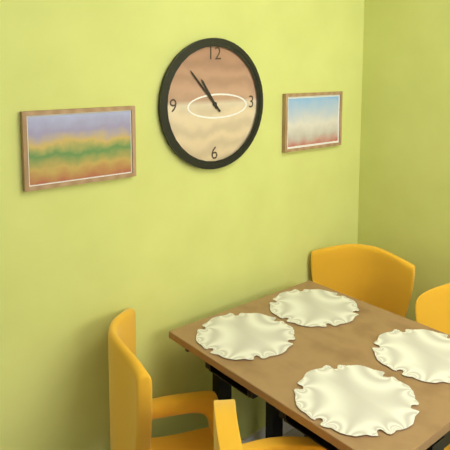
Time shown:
{"hour": 10, "minute": 53}
